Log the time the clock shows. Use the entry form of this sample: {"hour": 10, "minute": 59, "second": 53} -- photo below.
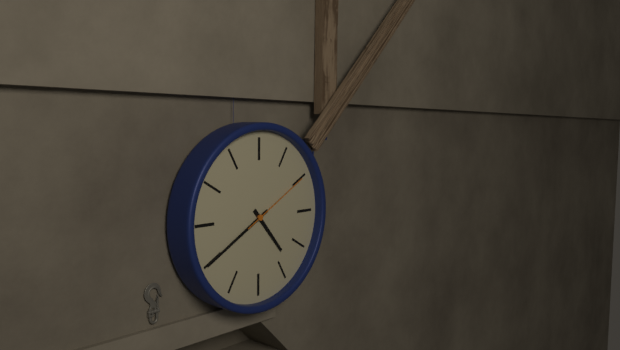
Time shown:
{"hour": 4, "minute": 40, "second": 10}
